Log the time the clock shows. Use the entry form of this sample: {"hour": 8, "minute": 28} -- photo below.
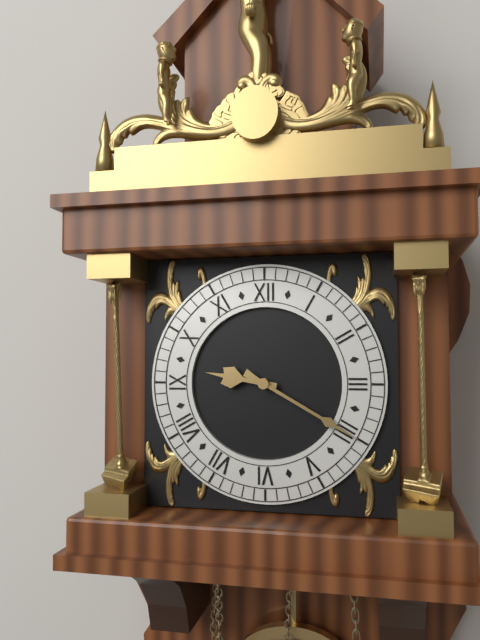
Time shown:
{"hour": 9, "minute": 20}
